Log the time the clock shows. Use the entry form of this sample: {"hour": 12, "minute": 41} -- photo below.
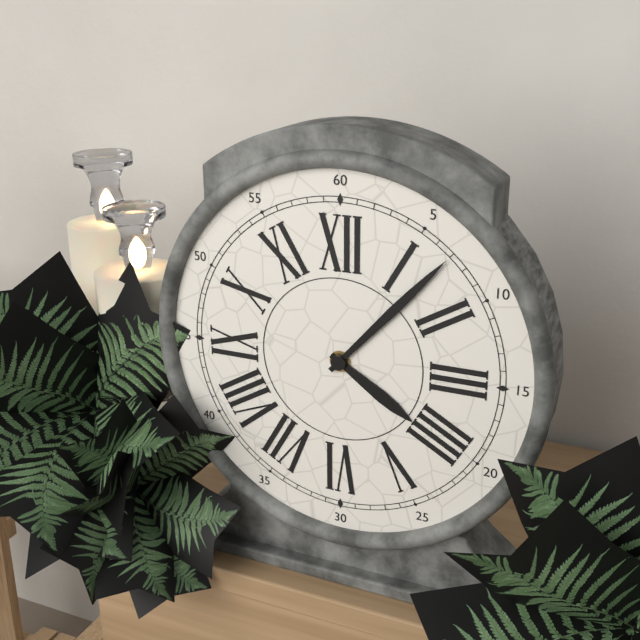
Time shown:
{"hour": 4, "minute": 7}
